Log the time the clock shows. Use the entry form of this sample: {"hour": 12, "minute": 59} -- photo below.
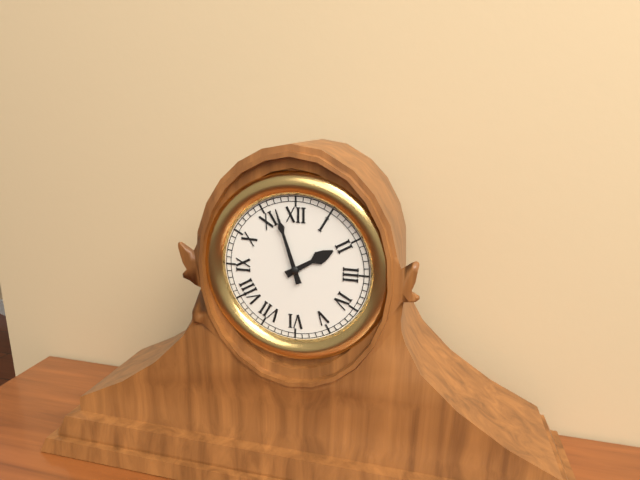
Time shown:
{"hour": 1, "minute": 57}
